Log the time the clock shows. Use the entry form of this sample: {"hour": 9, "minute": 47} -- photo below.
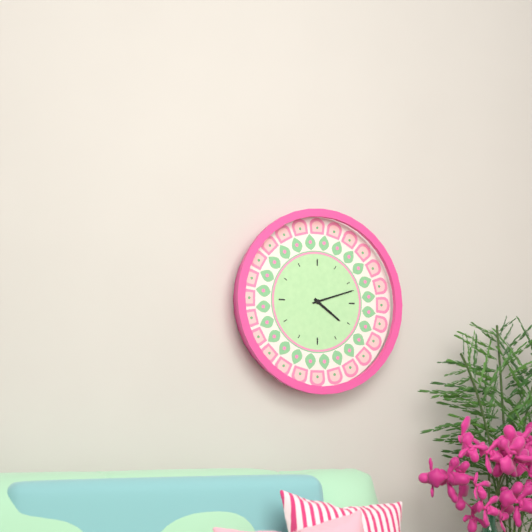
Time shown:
{"hour": 4, "minute": 12}
